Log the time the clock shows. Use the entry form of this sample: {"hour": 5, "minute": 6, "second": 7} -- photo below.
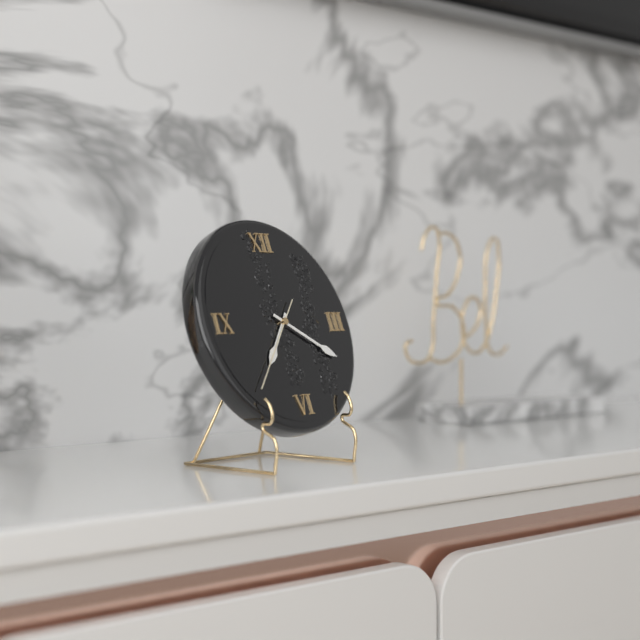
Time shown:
{"hour": 7, "minute": 20, "second": 37}
